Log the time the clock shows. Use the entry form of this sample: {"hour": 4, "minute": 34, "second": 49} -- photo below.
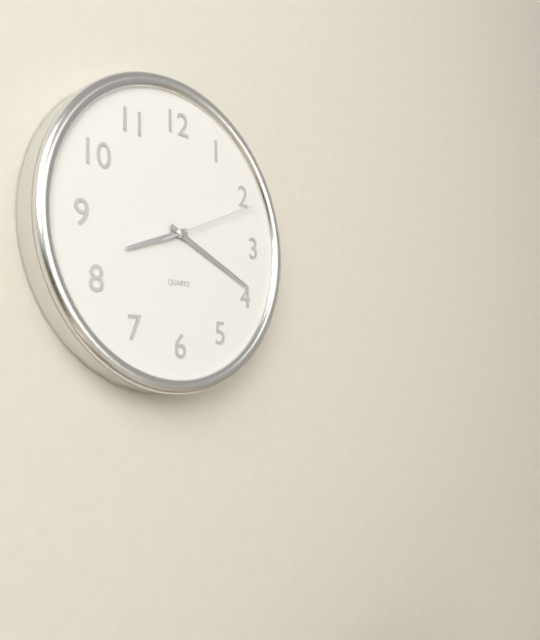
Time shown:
{"hour": 8, "minute": 19, "second": 11}
